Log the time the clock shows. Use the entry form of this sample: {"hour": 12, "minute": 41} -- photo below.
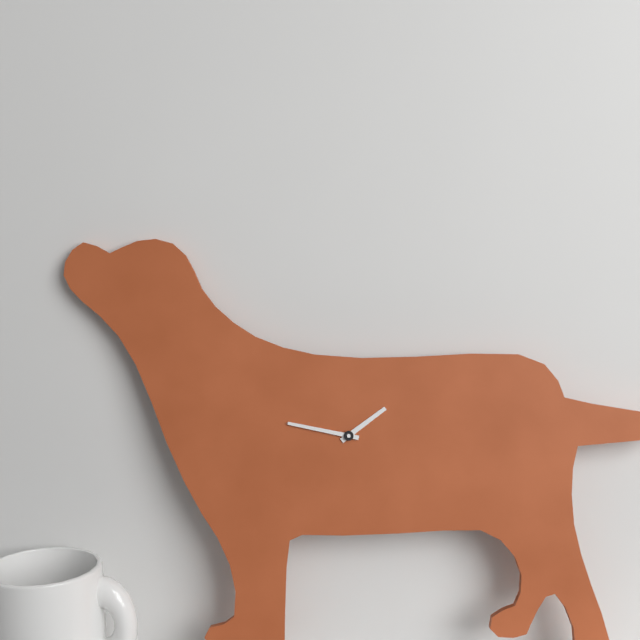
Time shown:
{"hour": 1, "minute": 47}
